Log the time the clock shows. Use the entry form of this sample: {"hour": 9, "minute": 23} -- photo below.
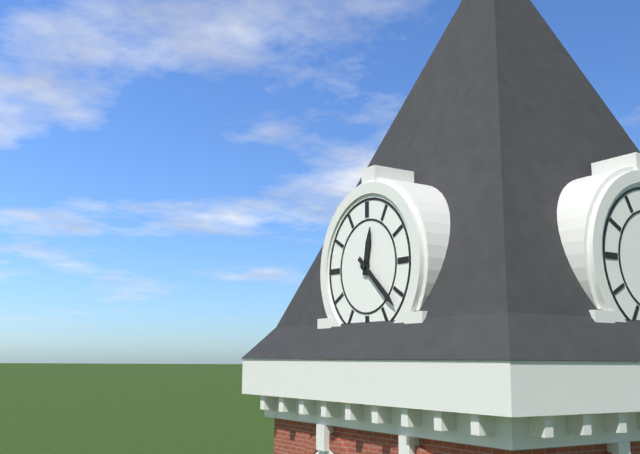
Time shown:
{"hour": 12, "minute": 22}
